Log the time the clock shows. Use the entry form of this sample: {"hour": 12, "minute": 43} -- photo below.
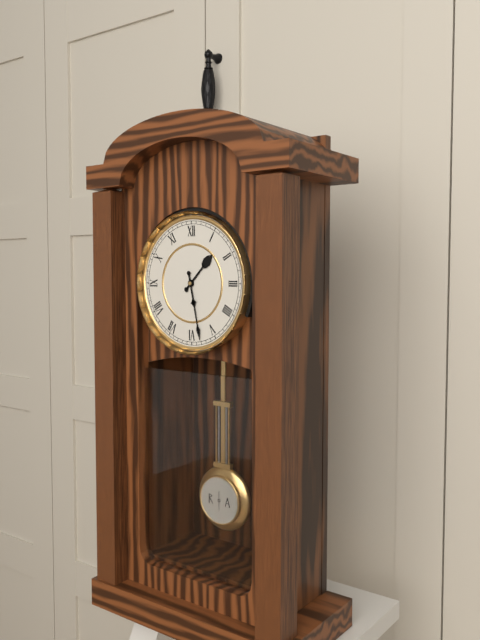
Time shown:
{"hour": 1, "minute": 28}
